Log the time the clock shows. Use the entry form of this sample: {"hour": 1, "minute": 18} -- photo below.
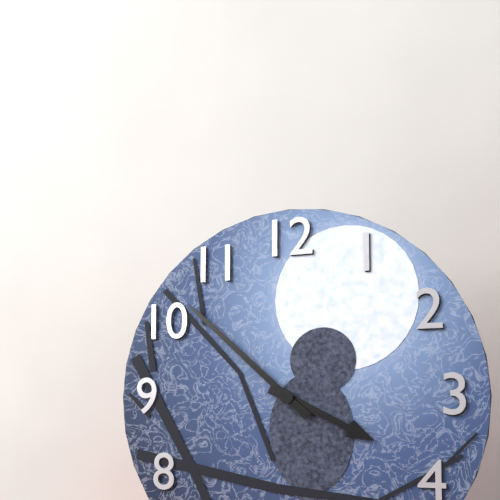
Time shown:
{"hour": 3, "minute": 52}
